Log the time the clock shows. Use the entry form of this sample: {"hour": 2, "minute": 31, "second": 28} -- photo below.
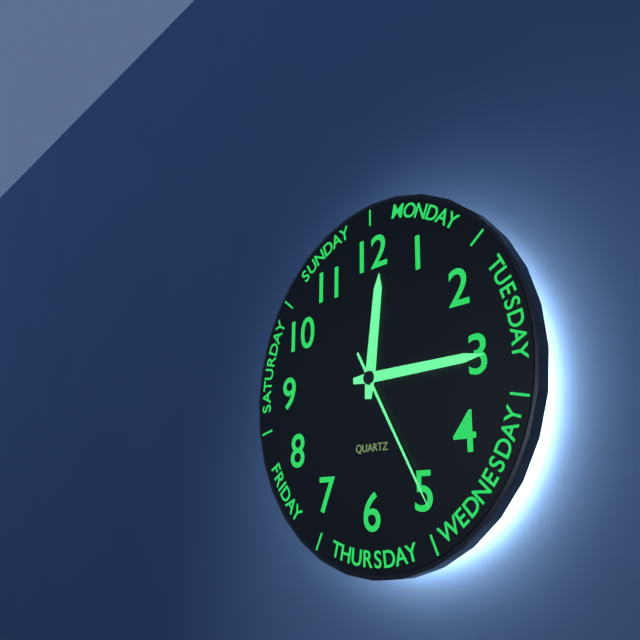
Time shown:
{"hour": 12, "minute": 15, "second": 25}
